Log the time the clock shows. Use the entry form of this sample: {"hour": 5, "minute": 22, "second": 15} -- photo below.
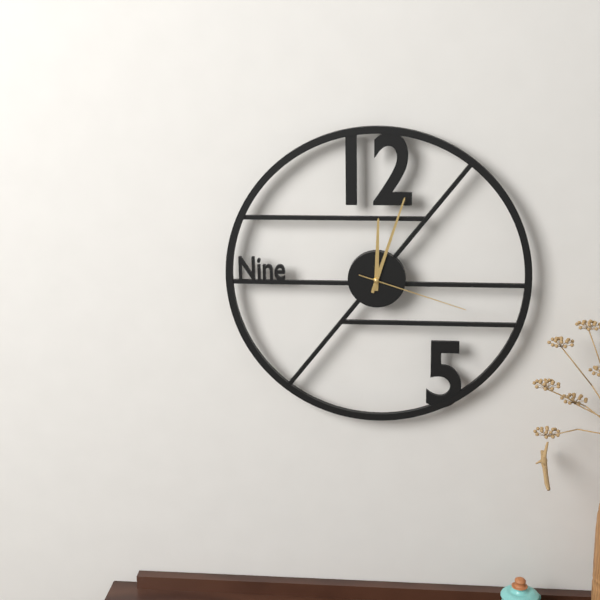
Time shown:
{"hour": 12, "minute": 3, "second": 18}
